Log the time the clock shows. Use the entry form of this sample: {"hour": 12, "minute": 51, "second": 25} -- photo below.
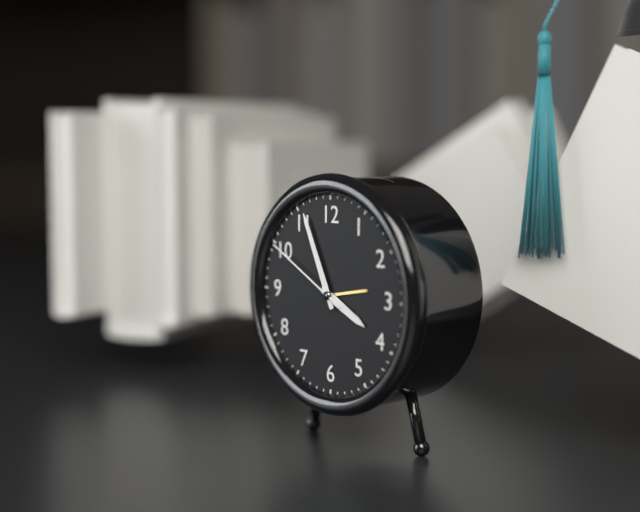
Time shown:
{"hour": 3, "minute": 56, "second": 50}
